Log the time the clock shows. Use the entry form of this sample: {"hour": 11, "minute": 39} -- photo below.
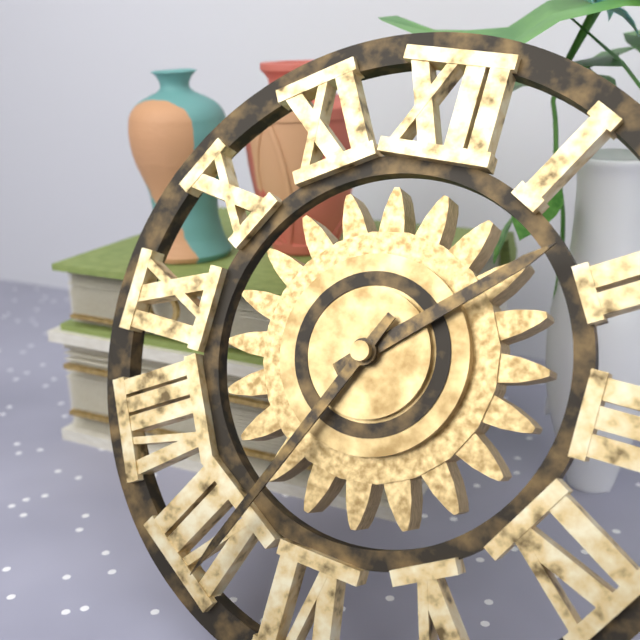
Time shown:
{"hour": 1, "minute": 34}
